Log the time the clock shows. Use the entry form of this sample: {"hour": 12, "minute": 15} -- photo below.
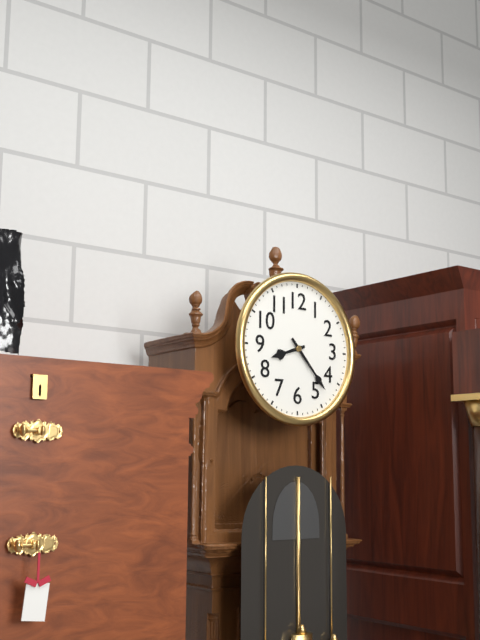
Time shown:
{"hour": 8, "minute": 23}
